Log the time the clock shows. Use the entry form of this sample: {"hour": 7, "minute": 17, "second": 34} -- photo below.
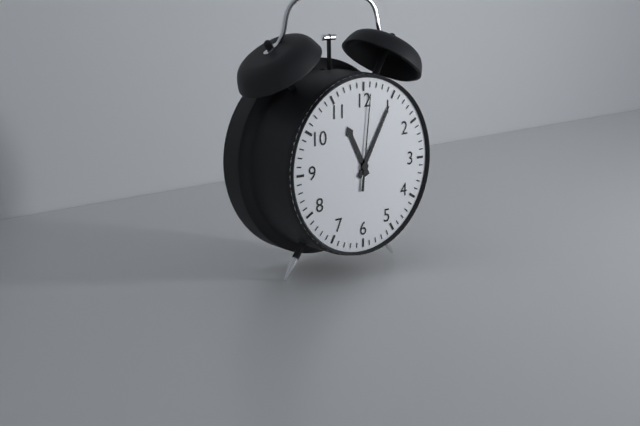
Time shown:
{"hour": 11, "minute": 5, "second": 1}
